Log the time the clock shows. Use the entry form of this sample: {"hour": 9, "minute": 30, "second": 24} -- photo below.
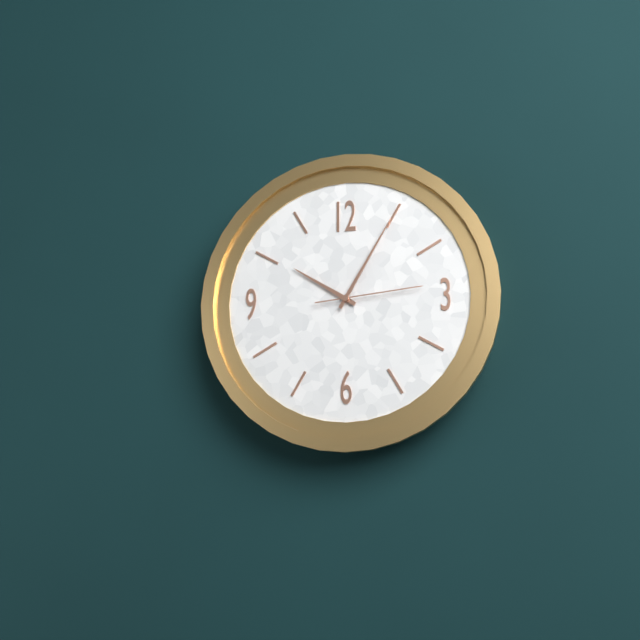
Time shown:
{"hour": 10, "minute": 5, "second": 14}
